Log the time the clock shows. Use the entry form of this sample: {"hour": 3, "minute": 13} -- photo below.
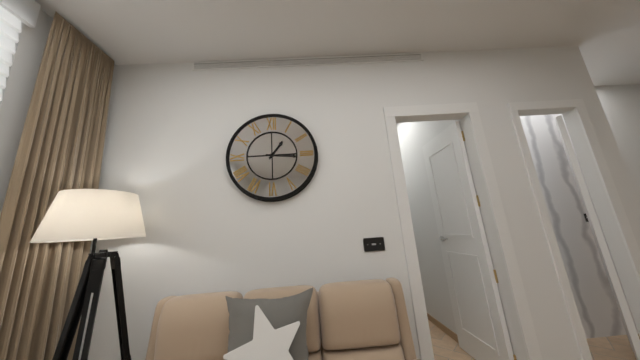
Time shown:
{"hour": 1, "minute": 16}
